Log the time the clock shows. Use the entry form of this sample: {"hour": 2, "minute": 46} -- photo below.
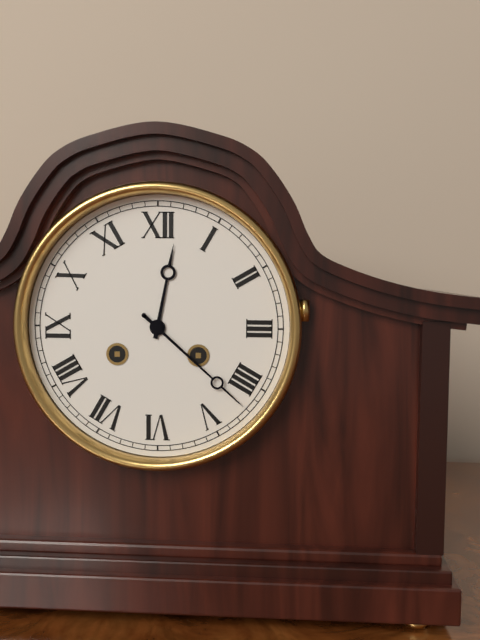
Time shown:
{"hour": 12, "minute": 22}
